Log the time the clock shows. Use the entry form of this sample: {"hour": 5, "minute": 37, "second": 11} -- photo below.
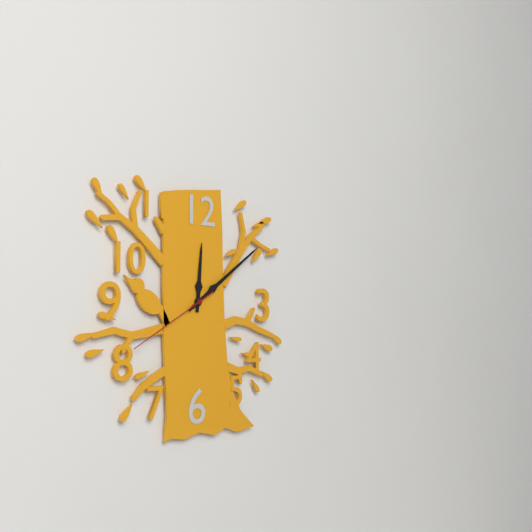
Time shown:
{"hour": 12, "minute": 9, "second": 40}
